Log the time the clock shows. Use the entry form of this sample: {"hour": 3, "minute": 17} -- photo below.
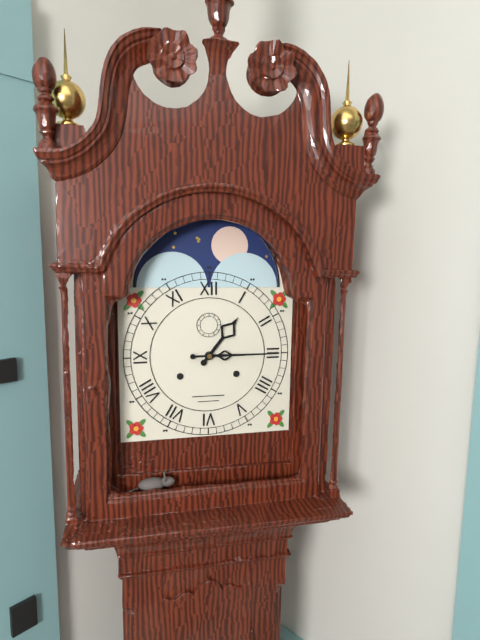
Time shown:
{"hour": 1, "minute": 15}
